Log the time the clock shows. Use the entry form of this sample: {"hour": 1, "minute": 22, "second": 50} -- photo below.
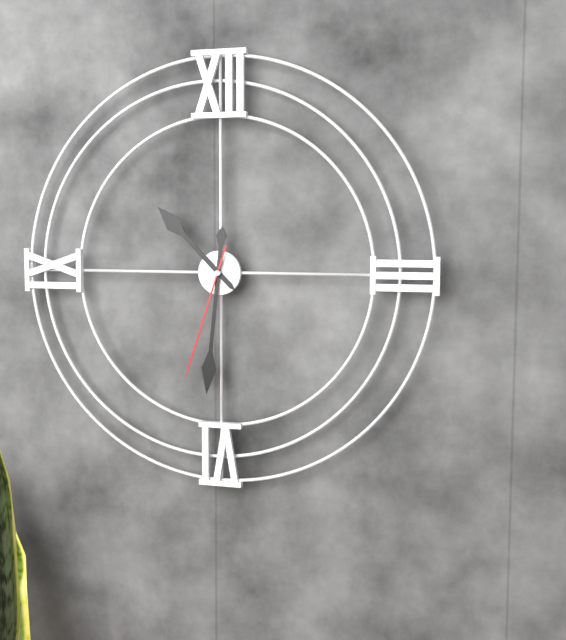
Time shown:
{"hour": 10, "minute": 31, "second": 33}
